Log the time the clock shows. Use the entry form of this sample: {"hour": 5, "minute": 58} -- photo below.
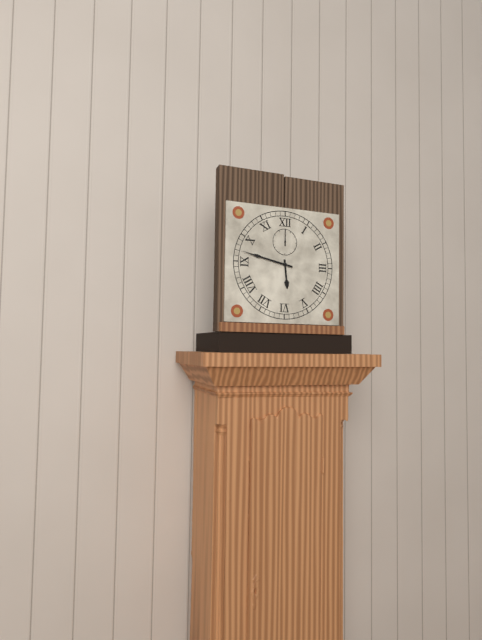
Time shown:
{"hour": 5, "minute": 47}
